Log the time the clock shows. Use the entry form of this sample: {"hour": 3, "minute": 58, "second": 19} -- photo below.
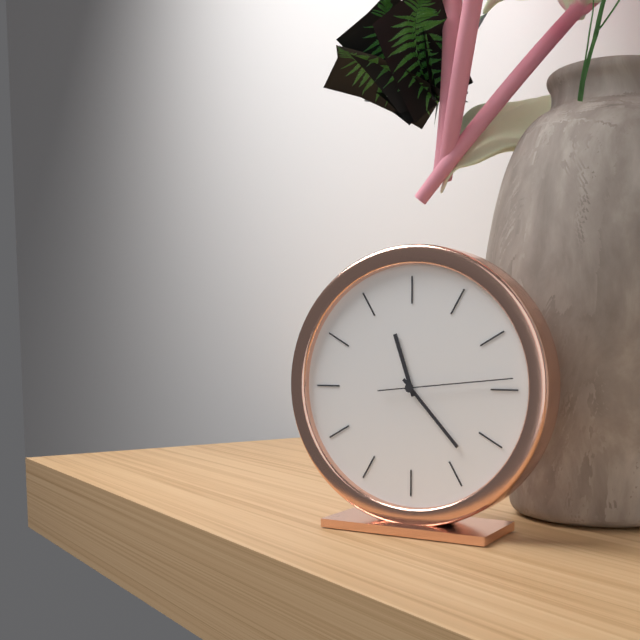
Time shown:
{"hour": 11, "minute": 23, "second": 14}
